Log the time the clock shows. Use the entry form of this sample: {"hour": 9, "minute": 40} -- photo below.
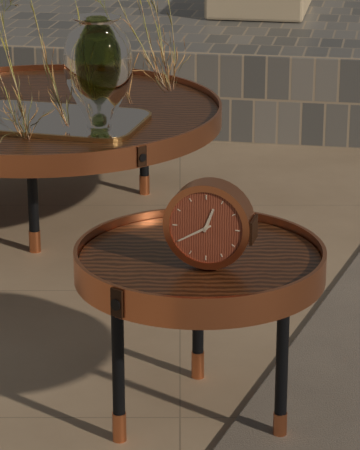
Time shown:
{"hour": 12, "minute": 40}
